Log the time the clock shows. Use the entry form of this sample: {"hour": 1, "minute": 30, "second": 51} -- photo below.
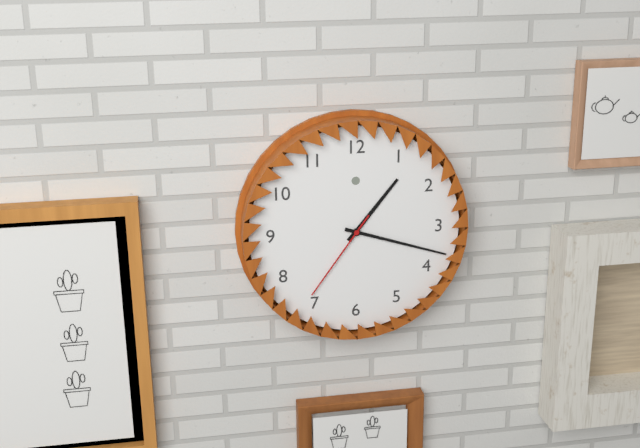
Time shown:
{"hour": 1, "minute": 18, "second": 36}
